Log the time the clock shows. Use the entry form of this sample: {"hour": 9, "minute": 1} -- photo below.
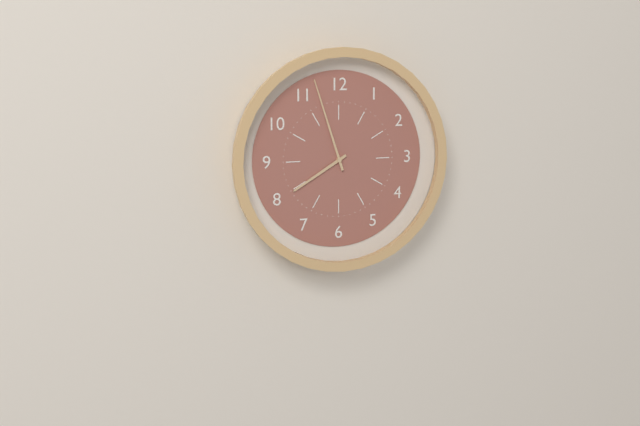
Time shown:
{"hour": 7, "minute": 57}
